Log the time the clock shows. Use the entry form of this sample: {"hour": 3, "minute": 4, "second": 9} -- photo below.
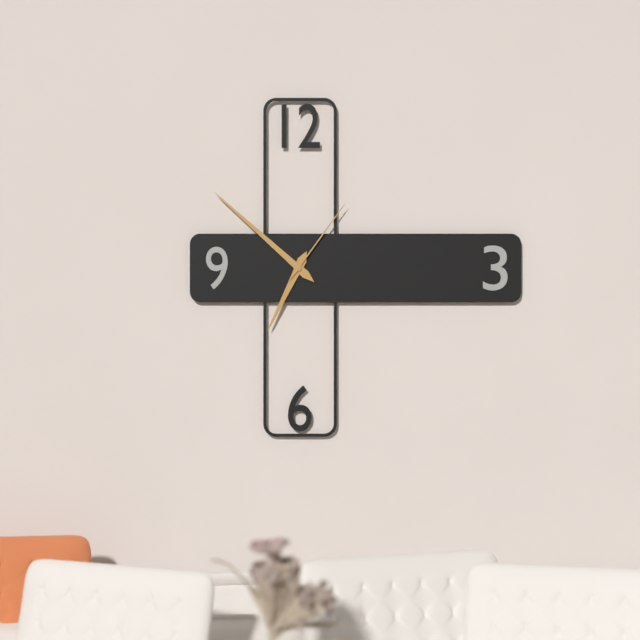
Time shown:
{"hour": 6, "minute": 52, "second": 6}
